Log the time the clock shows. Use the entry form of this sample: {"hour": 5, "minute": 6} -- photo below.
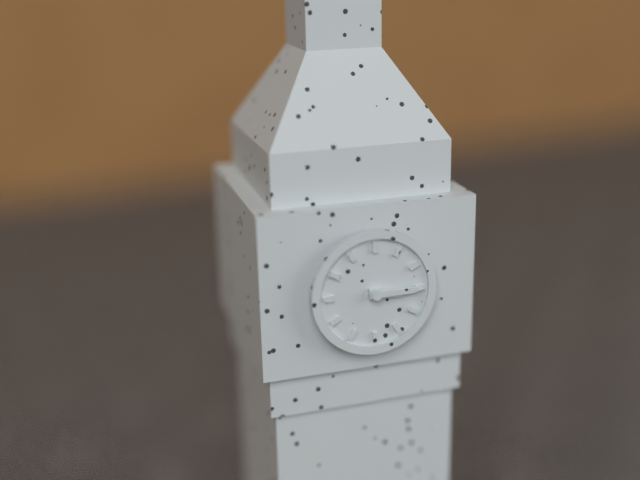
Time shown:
{"hour": 3, "minute": 15}
